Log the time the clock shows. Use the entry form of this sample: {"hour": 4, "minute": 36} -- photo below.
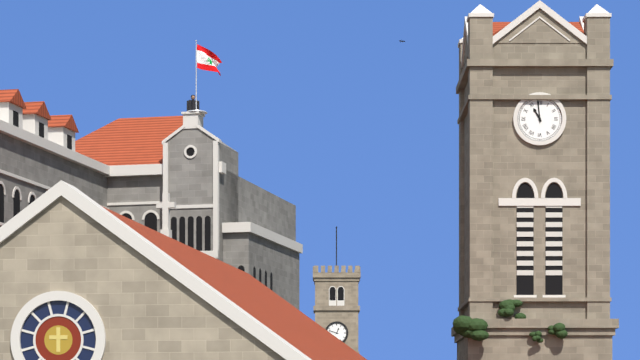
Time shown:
{"hour": 10, "minute": 59}
